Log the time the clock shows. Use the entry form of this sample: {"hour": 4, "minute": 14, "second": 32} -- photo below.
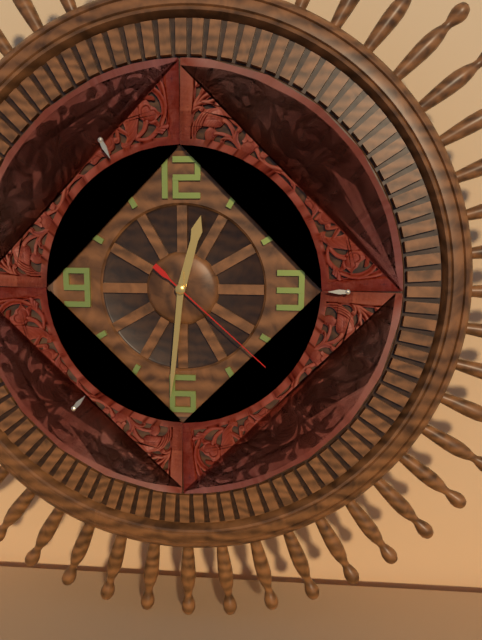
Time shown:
{"hour": 12, "minute": 31, "second": 22}
